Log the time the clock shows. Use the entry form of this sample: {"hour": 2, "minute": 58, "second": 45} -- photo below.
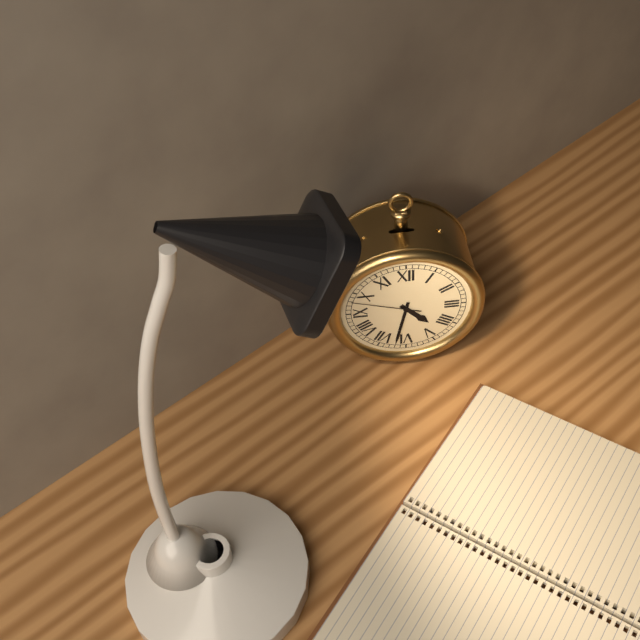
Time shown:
{"hour": 4, "minute": 32, "second": 48}
